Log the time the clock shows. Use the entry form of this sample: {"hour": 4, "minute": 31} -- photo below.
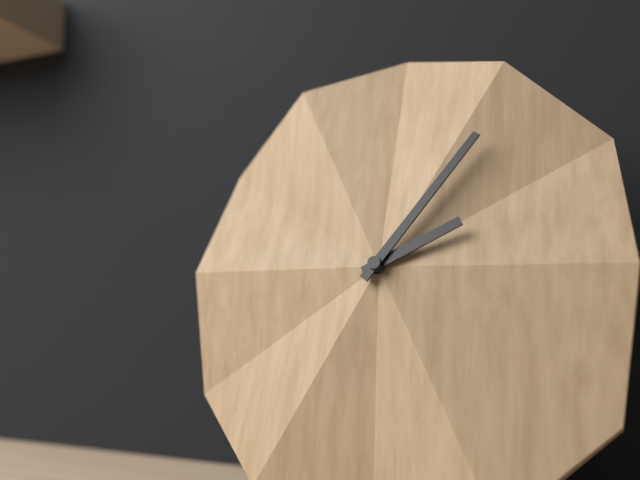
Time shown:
{"hour": 2, "minute": 6}
